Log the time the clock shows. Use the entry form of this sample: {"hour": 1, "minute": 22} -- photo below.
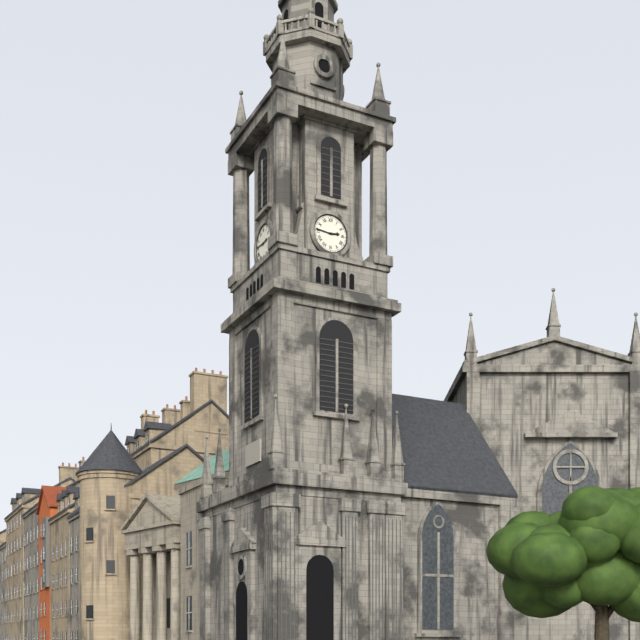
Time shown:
{"hour": 2, "minute": 46}
